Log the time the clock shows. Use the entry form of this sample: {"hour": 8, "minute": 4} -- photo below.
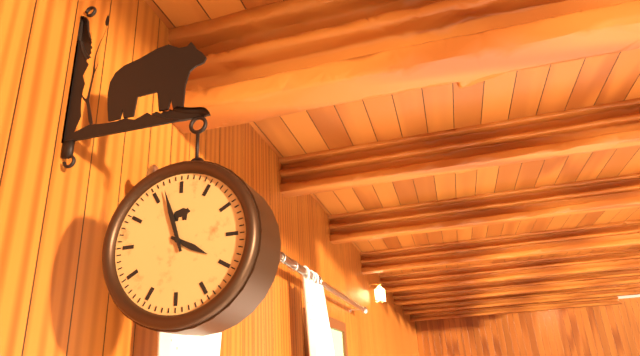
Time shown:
{"hour": 3, "minute": 57}
